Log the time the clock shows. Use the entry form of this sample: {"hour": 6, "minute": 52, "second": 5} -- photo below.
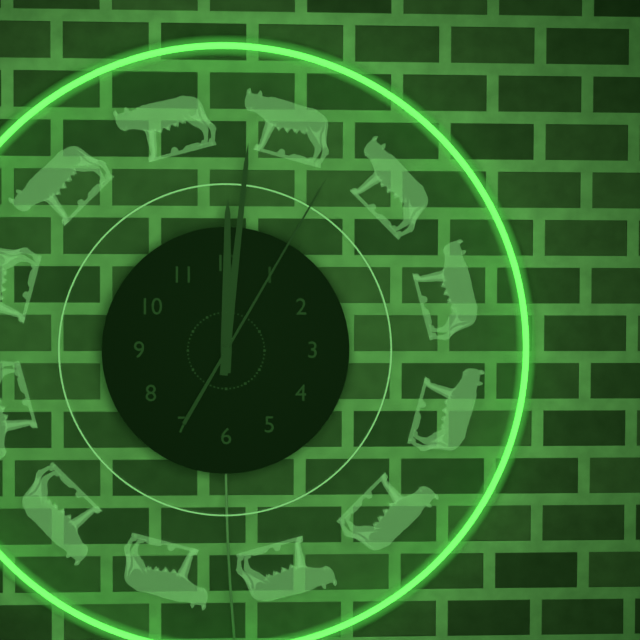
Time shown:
{"hour": 12, "minute": 1, "second": 5}
